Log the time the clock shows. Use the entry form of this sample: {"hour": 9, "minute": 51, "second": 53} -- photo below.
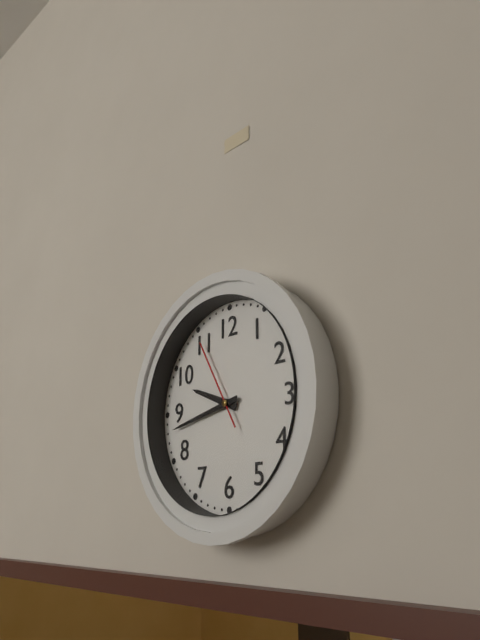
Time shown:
{"hour": 9, "minute": 43, "second": 55}
